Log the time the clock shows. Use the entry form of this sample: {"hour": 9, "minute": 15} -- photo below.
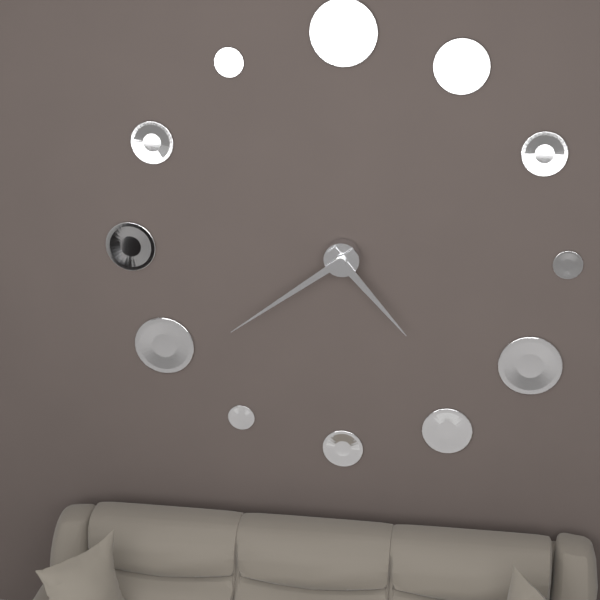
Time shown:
{"hour": 4, "minute": 39}
